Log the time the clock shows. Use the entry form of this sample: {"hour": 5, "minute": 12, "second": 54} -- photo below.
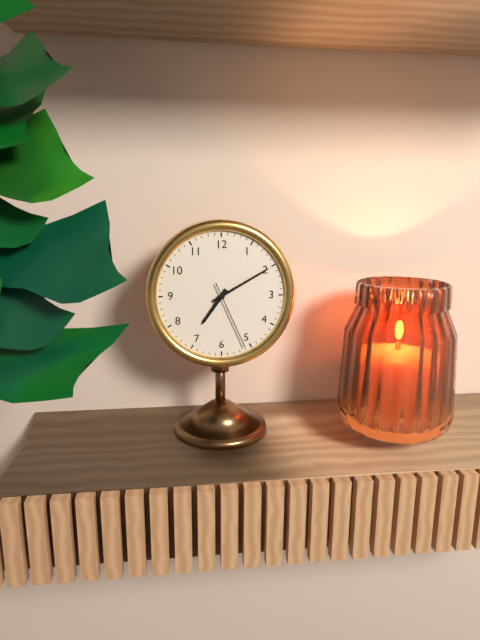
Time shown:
{"hour": 7, "minute": 10, "second": 26}
